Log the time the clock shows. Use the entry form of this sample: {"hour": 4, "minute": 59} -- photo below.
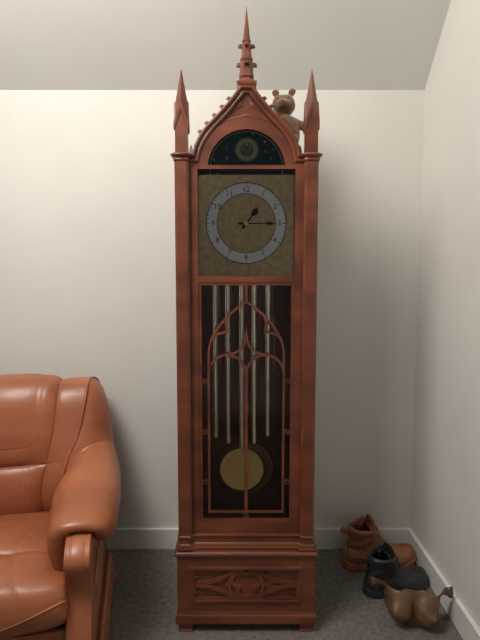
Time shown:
{"hour": 1, "minute": 15}
